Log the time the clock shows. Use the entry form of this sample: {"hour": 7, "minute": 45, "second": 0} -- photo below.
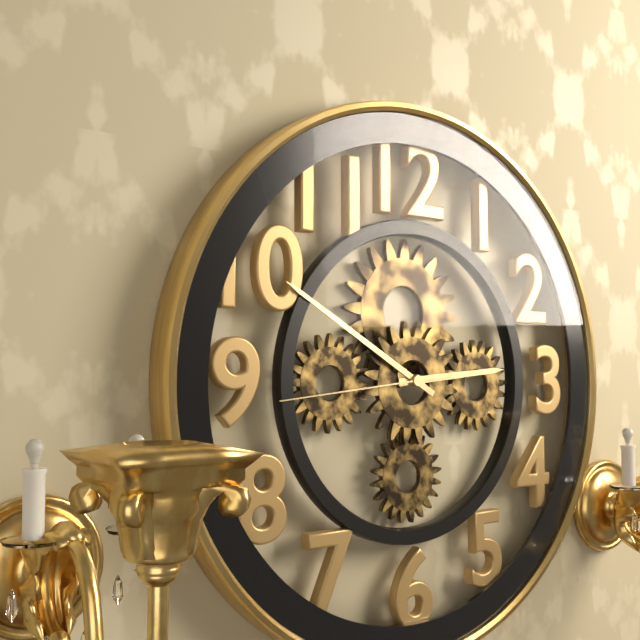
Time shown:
{"hour": 2, "minute": 50, "second": 44}
